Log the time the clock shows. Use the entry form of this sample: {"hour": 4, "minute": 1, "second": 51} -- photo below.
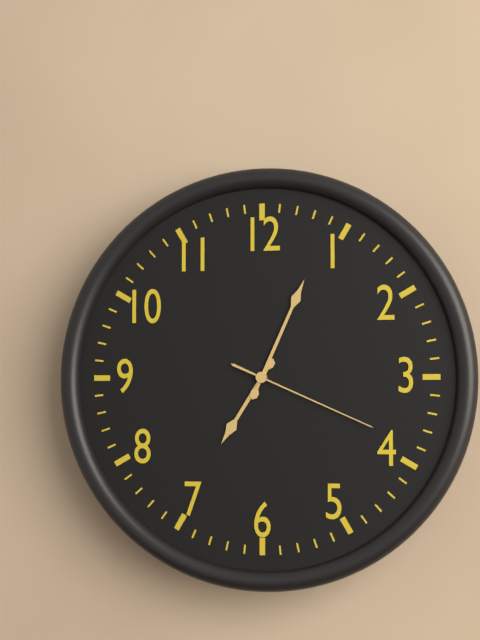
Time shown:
{"hour": 7, "minute": 4, "second": 19}
